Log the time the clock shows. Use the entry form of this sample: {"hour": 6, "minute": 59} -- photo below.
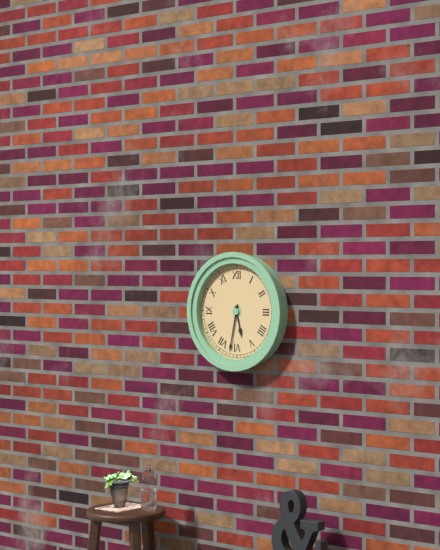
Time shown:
{"hour": 5, "minute": 32}
